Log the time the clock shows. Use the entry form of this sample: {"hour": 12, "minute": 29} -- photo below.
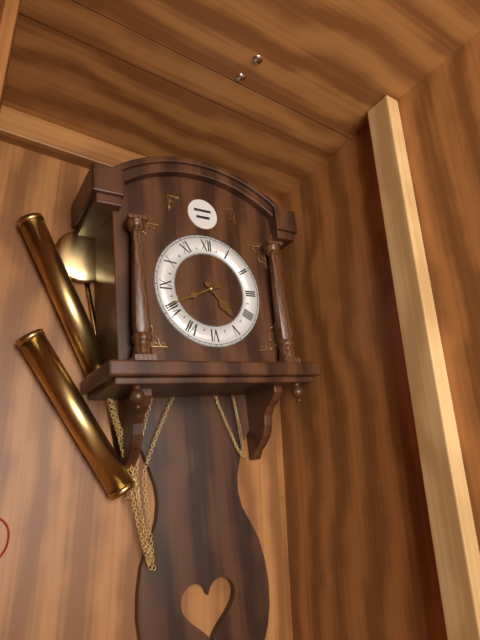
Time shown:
{"hour": 4, "minute": 41}
